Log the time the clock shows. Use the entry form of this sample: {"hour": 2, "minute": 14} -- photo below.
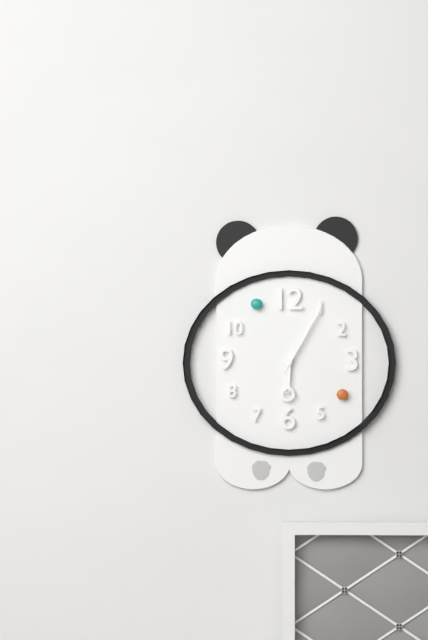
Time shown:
{"hour": 6, "minute": 5}
